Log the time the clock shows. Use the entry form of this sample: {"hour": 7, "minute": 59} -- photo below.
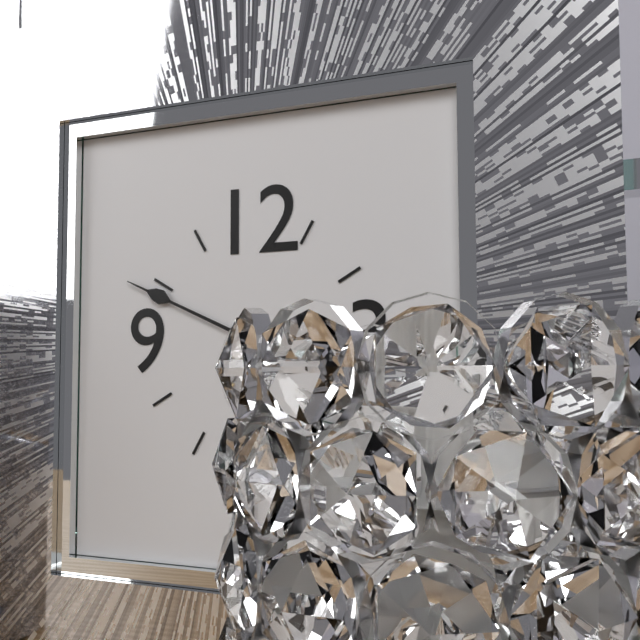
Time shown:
{"hour": 5, "minute": 49}
